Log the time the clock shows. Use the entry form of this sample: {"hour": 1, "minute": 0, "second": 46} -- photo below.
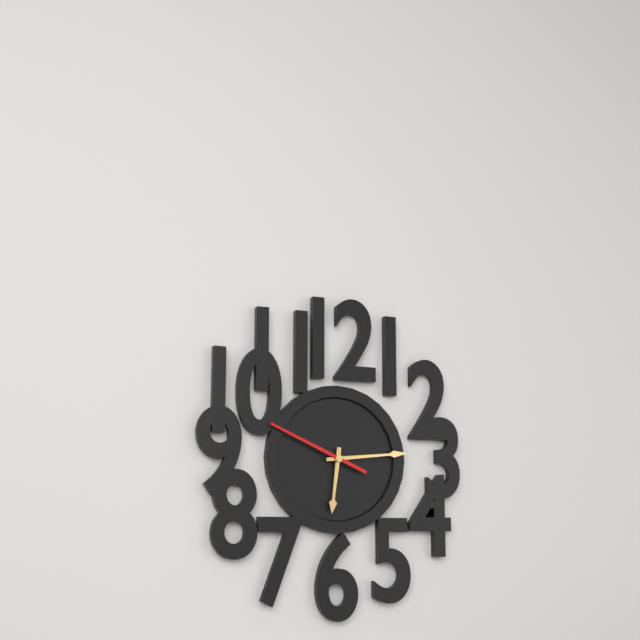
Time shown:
{"hour": 6, "minute": 14, "second": 49}
